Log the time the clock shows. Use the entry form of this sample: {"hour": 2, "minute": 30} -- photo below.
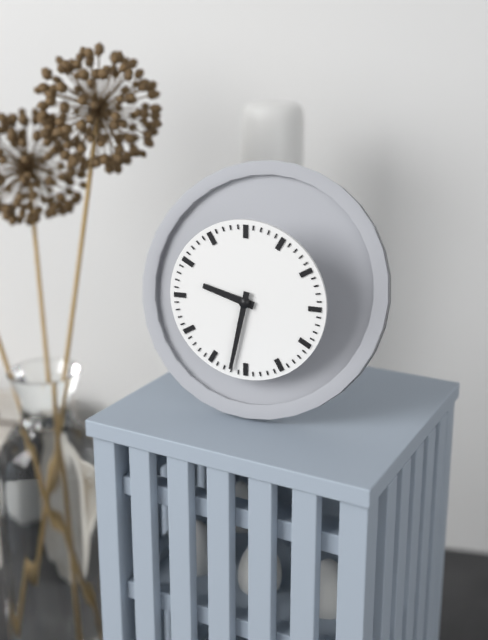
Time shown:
{"hour": 9, "minute": 32}
